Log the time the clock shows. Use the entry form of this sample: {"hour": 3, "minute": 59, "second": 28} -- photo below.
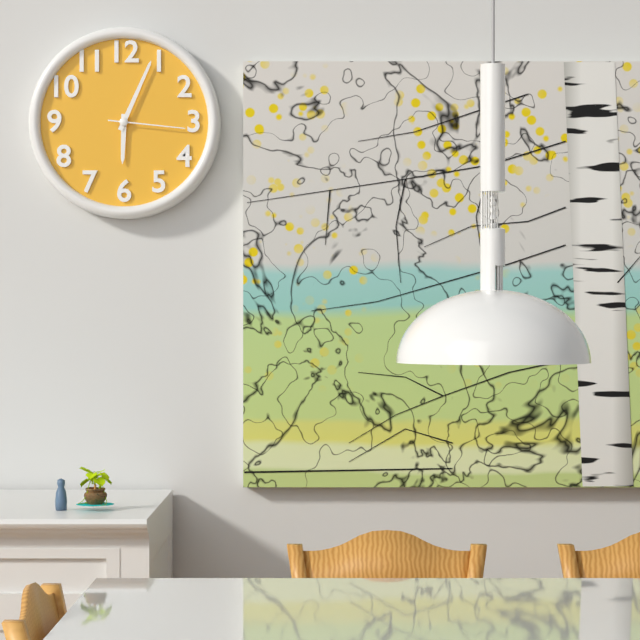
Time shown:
{"hour": 6, "minute": 4, "second": 16}
